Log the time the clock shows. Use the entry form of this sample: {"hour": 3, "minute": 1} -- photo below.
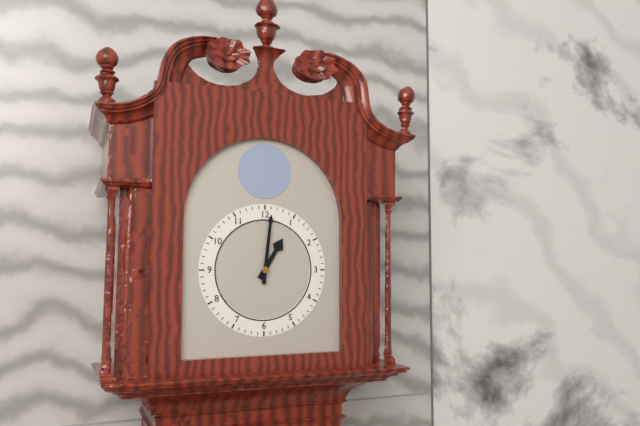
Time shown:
{"hour": 1, "minute": 1}
